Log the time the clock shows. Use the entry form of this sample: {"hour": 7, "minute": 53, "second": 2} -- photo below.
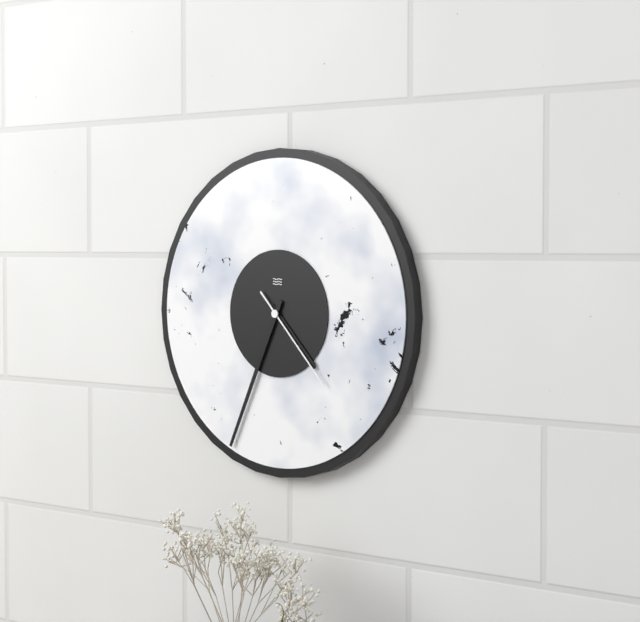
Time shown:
{"hour": 4, "minute": 34, "second": 23}
